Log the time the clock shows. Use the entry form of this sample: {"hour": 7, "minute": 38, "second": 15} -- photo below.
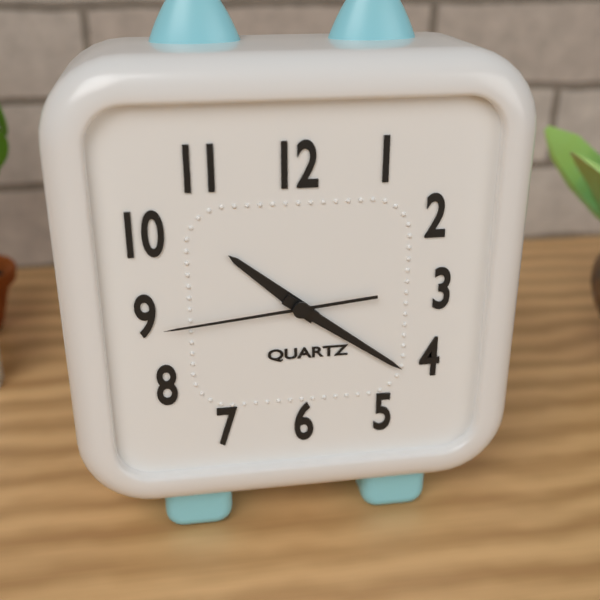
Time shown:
{"hour": 10, "minute": 21, "second": 44}
